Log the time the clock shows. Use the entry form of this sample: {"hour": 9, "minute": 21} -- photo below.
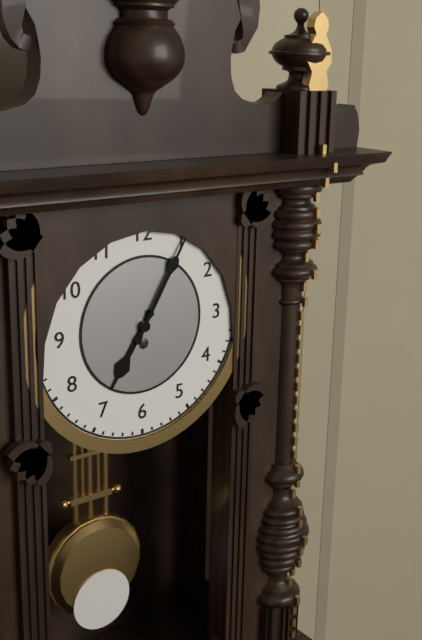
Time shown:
{"hour": 7, "minute": 5}
